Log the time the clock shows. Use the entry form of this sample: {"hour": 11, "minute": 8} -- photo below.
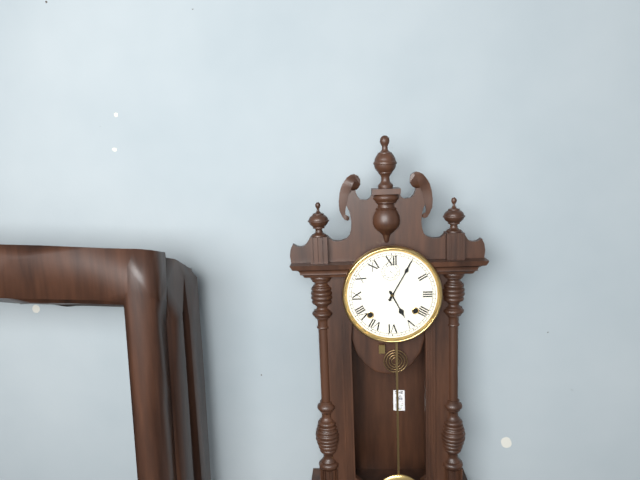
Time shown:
{"hour": 5, "minute": 5}
